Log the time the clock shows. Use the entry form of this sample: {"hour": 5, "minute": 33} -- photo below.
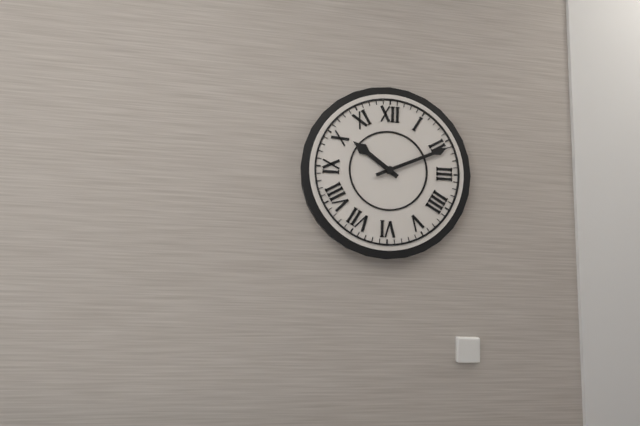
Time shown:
{"hour": 10, "minute": 11}
